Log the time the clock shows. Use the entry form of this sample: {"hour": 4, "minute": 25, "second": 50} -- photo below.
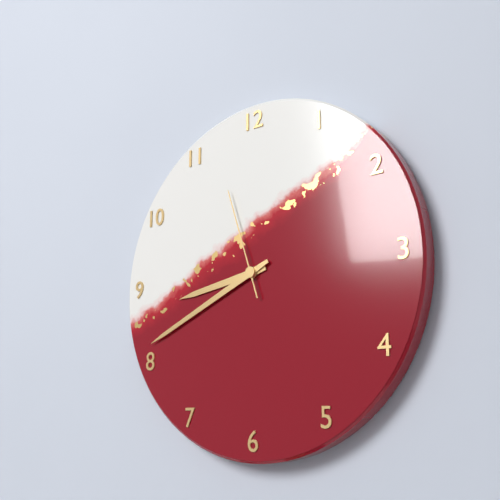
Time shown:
{"hour": 8, "minute": 41, "second": 57}
